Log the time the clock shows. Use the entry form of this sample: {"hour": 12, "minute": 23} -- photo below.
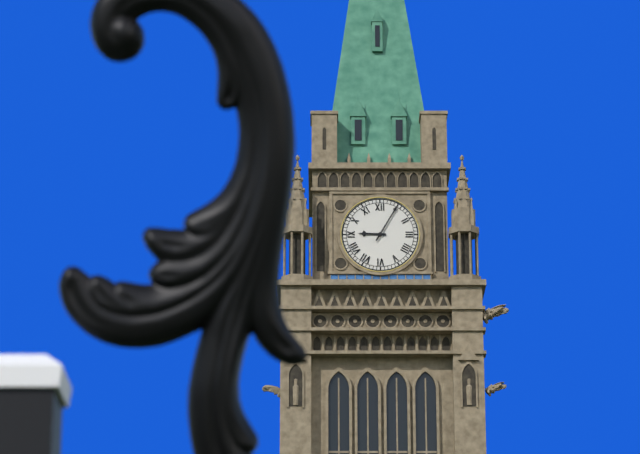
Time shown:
{"hour": 9, "minute": 5}
